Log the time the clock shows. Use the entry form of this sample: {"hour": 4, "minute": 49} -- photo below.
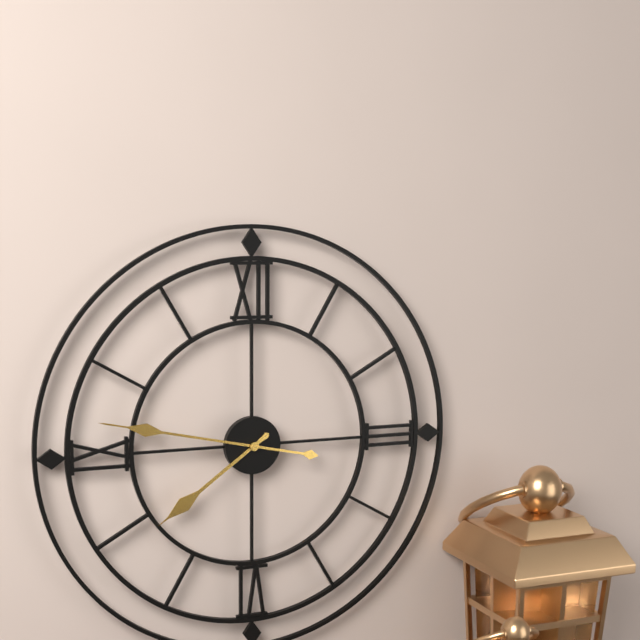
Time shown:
{"hour": 7, "minute": 47}
